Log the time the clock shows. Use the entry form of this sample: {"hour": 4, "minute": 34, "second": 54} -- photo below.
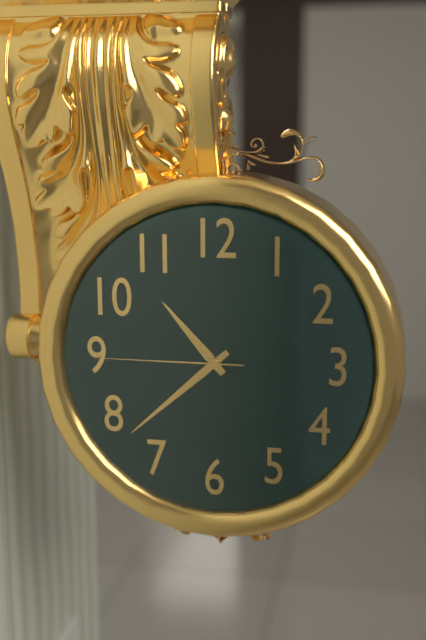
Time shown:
{"hour": 10, "minute": 38, "second": 45}
